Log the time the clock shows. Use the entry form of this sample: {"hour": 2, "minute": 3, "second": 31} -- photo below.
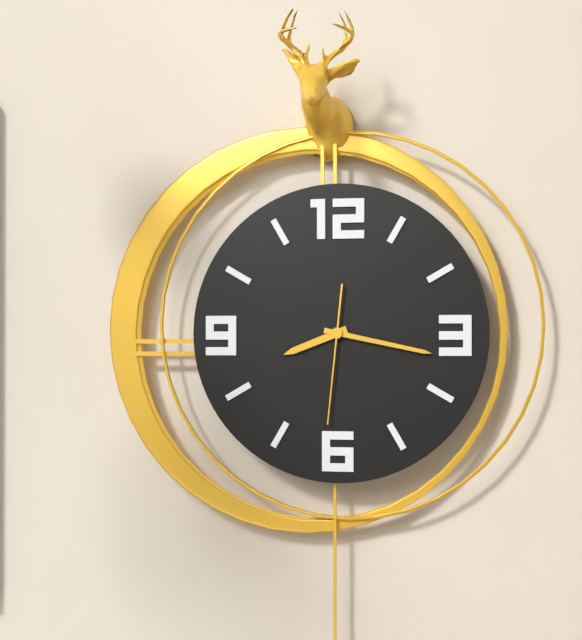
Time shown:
{"hour": 8, "minute": 17, "second": 31}
